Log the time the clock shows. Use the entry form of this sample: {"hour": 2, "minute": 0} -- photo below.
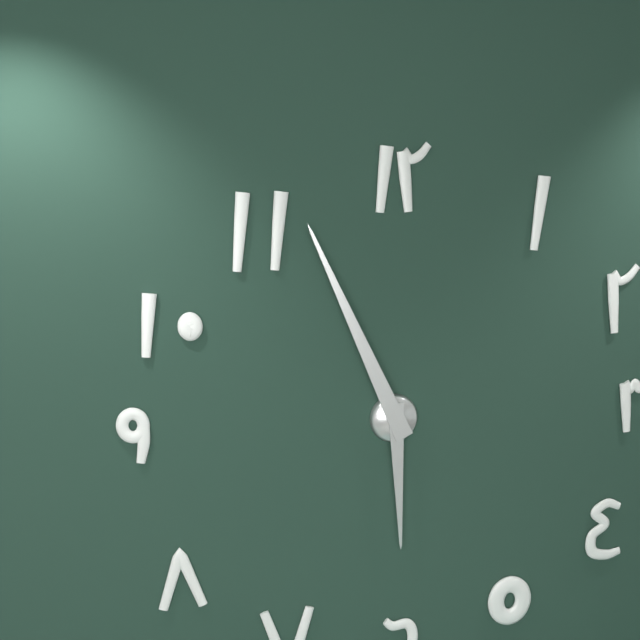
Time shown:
{"hour": 5, "minute": 56}
